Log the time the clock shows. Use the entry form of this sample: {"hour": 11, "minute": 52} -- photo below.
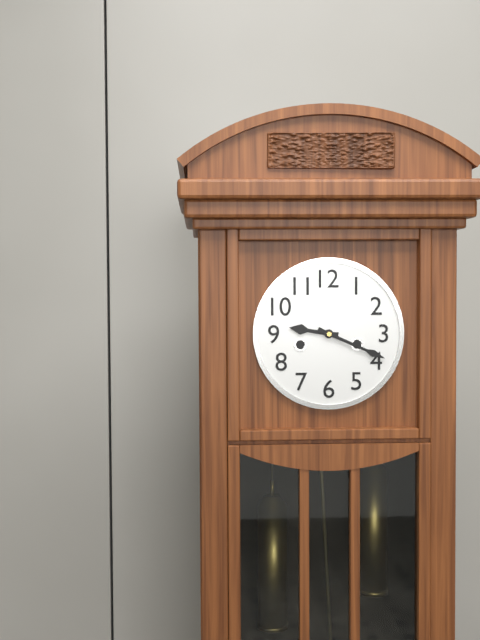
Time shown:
{"hour": 9, "minute": 19}
